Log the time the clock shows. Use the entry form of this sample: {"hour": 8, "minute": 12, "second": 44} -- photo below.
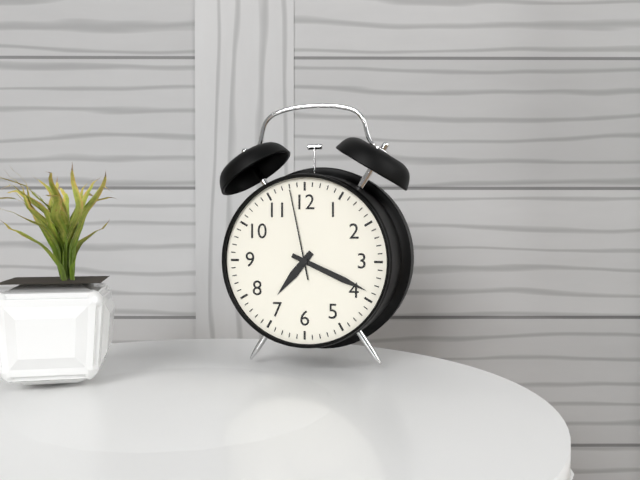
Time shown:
{"hour": 7, "minute": 19, "second": 58}
